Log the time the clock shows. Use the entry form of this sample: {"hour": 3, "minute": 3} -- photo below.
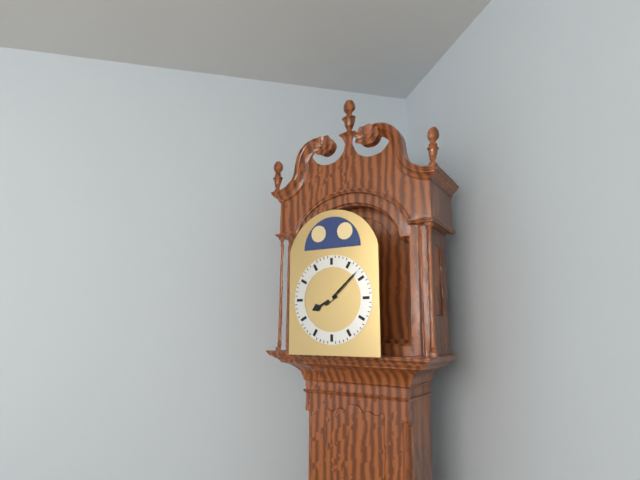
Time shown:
{"hour": 8, "minute": 8}
